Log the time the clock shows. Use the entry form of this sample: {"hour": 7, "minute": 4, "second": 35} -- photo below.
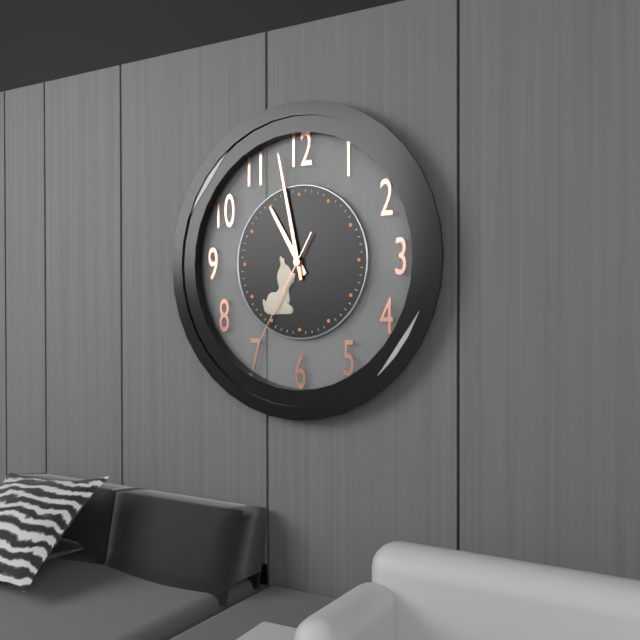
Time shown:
{"hour": 10, "minute": 58, "second": 35}
